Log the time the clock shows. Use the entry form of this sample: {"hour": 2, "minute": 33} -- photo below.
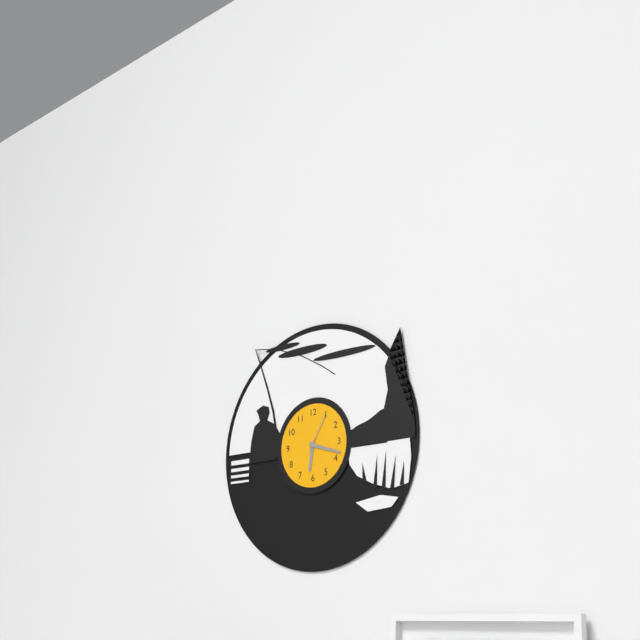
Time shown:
{"hour": 6, "minute": 18}
